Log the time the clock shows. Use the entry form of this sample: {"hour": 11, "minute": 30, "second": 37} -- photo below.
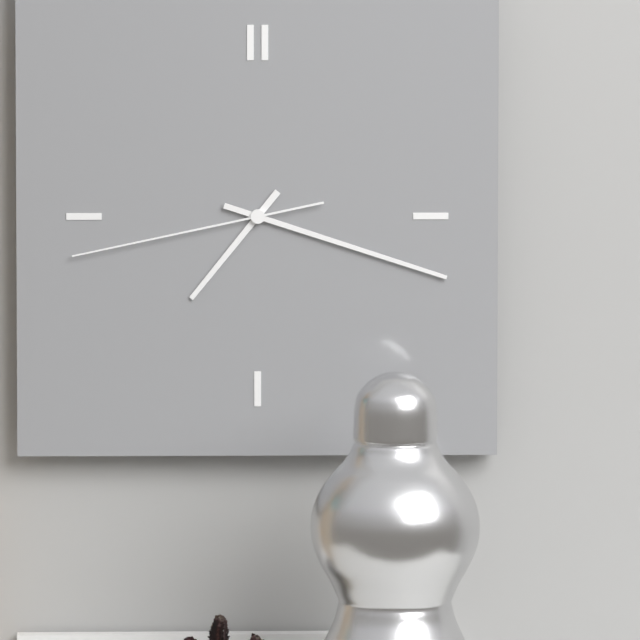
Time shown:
{"hour": 7, "minute": 18, "second": 43}
